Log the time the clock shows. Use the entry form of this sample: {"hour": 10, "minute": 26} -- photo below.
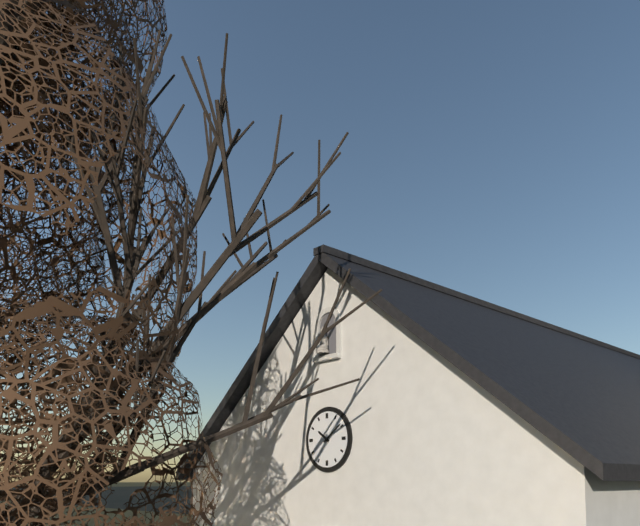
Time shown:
{"hour": 10, "minute": 9}
